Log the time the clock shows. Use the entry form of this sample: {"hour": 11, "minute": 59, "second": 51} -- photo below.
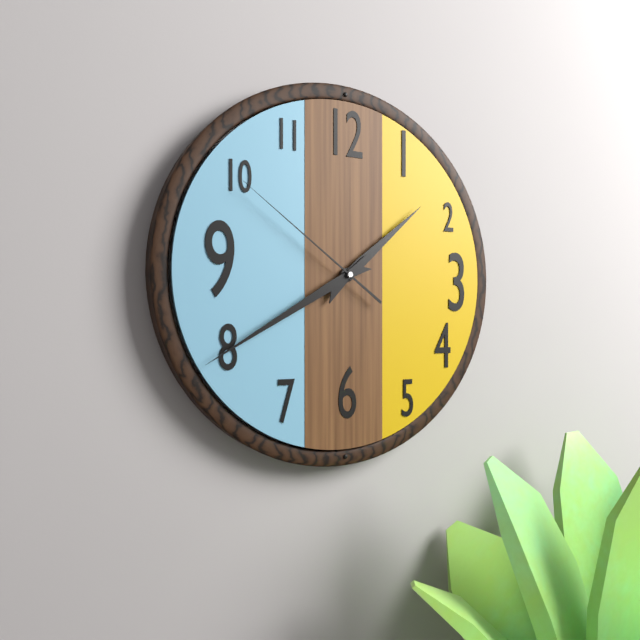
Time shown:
{"hour": 1, "minute": 40, "second": 51}
